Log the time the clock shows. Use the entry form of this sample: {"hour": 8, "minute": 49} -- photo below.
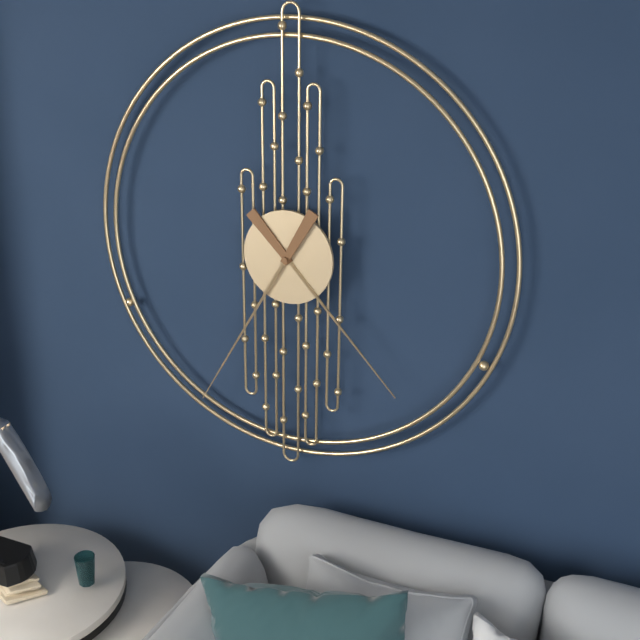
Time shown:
{"hour": 4, "minute": 35}
